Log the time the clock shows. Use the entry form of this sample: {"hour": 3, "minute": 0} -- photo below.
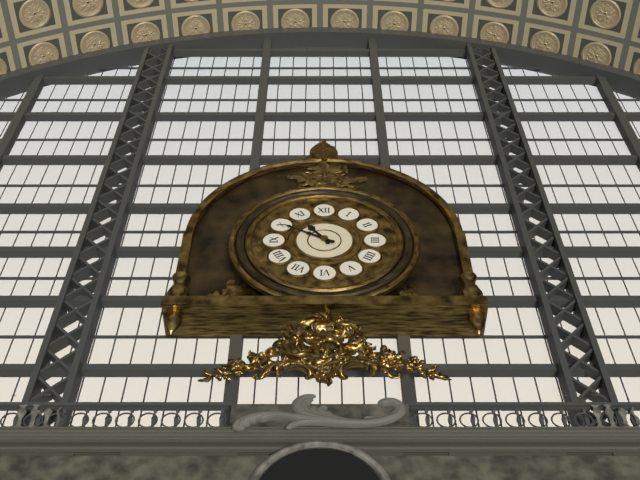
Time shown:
{"hour": 10, "minute": 50}
